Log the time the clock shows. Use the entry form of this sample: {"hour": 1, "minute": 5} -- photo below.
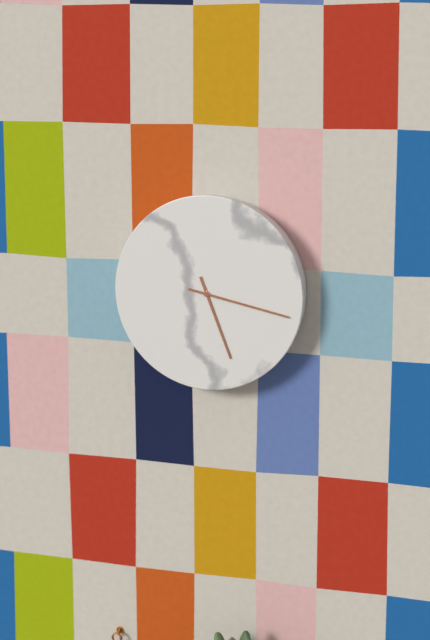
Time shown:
{"hour": 5, "minute": 17}
